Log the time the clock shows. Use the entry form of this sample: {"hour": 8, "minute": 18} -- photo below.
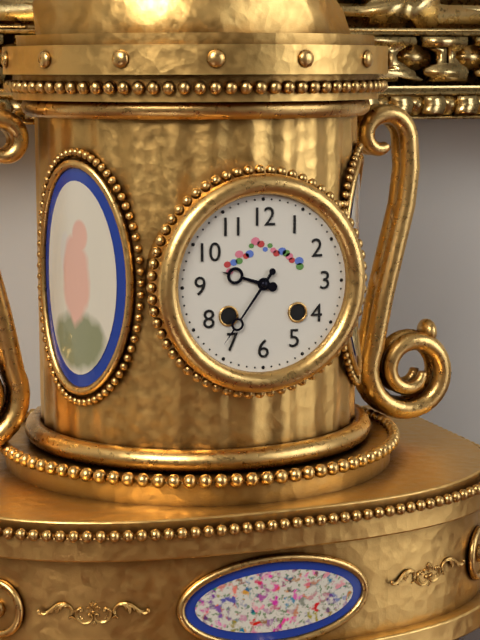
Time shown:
{"hour": 9, "minute": 36}
